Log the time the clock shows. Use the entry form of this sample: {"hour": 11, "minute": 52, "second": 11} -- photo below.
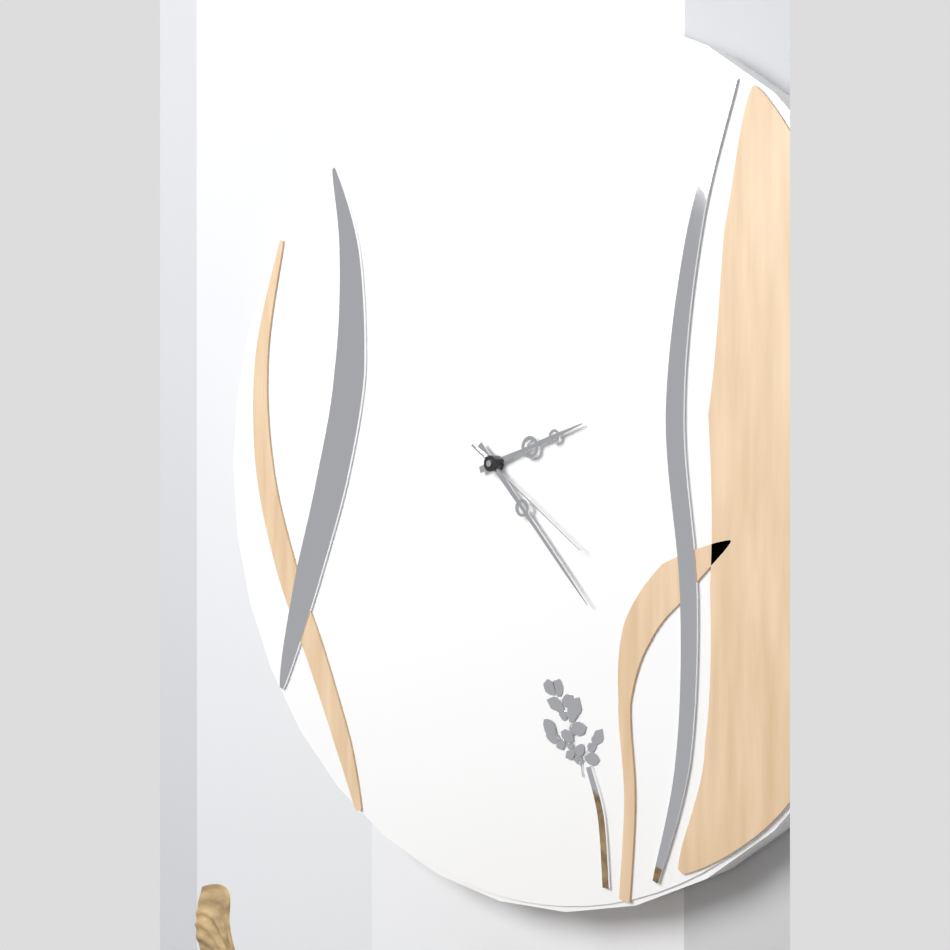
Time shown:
{"hour": 2, "minute": 23, "second": 21}
